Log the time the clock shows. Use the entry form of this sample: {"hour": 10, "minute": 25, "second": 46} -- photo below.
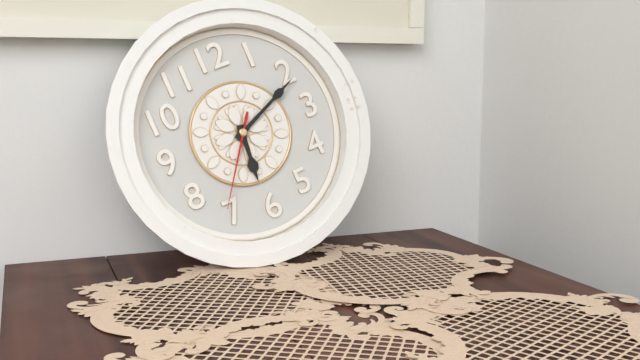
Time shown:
{"hour": 6, "minute": 11, "second": 36}
